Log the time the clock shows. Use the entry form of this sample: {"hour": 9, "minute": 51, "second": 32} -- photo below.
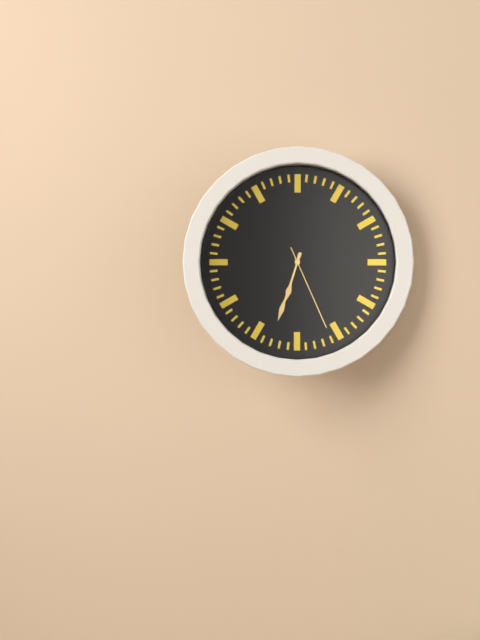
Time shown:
{"hour": 6, "minute": 33, "second": 26}
